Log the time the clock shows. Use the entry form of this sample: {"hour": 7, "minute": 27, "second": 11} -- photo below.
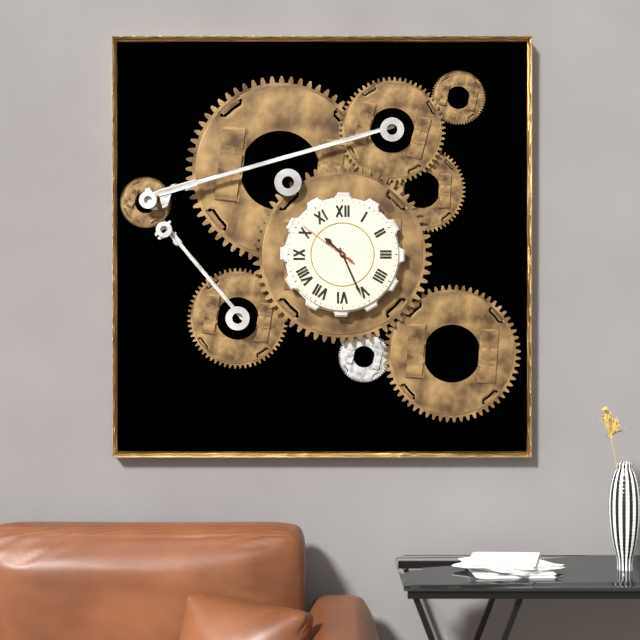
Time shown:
{"hour": 10, "minute": 26, "second": 51}
